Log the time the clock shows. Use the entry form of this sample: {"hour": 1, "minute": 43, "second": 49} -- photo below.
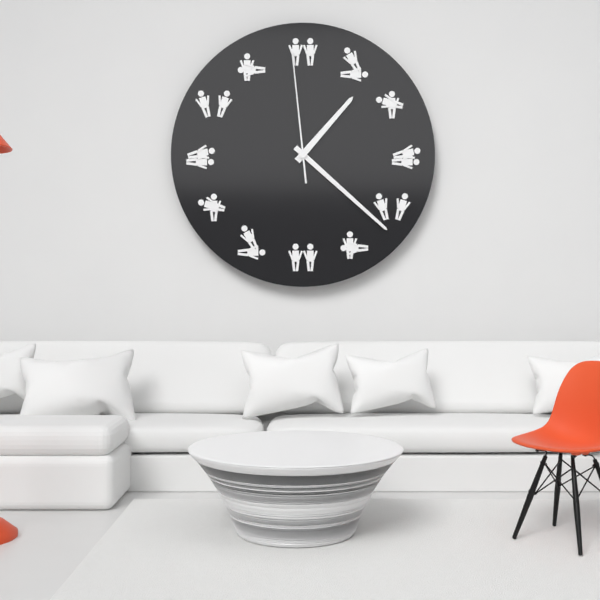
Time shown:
{"hour": 1, "minute": 22, "second": 59}
